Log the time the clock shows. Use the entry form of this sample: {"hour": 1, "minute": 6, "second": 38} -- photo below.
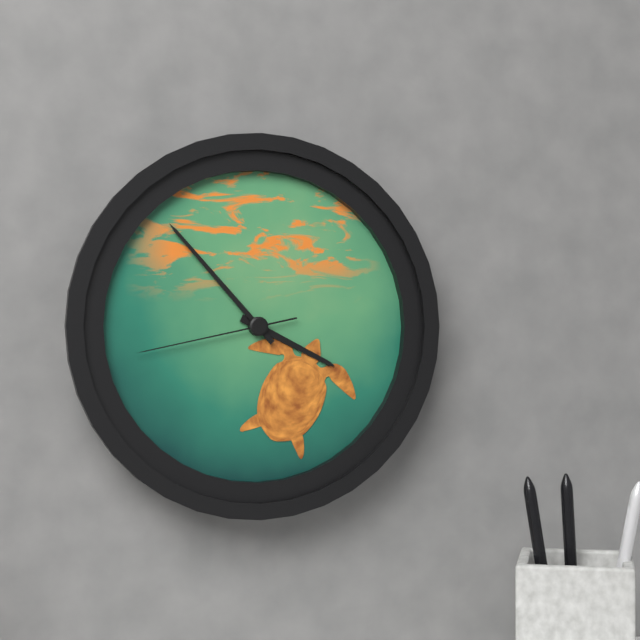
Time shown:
{"hour": 3, "minute": 53, "second": 43}
